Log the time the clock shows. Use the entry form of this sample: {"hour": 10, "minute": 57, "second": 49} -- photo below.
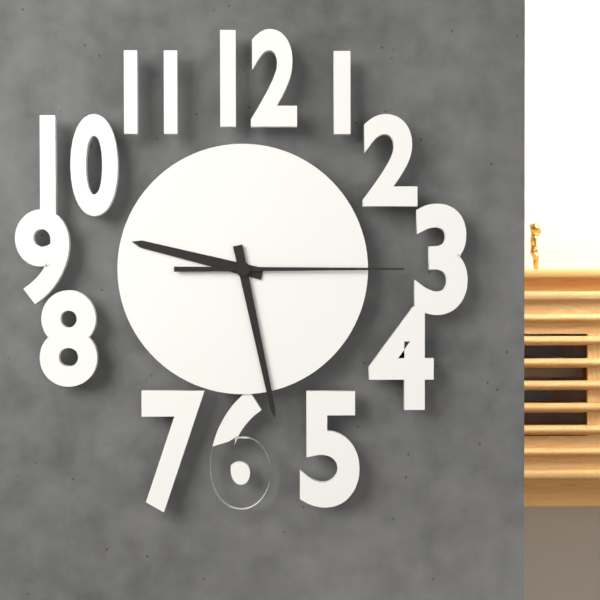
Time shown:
{"hour": 9, "minute": 28, "second": 15}
